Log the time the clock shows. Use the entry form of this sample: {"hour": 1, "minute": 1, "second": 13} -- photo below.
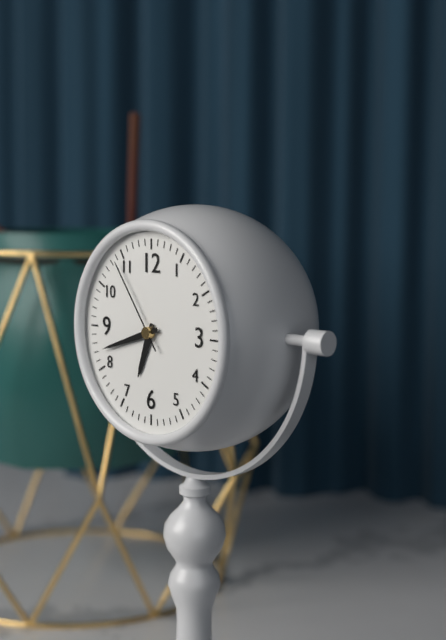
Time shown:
{"hour": 6, "minute": 42, "second": 54}
